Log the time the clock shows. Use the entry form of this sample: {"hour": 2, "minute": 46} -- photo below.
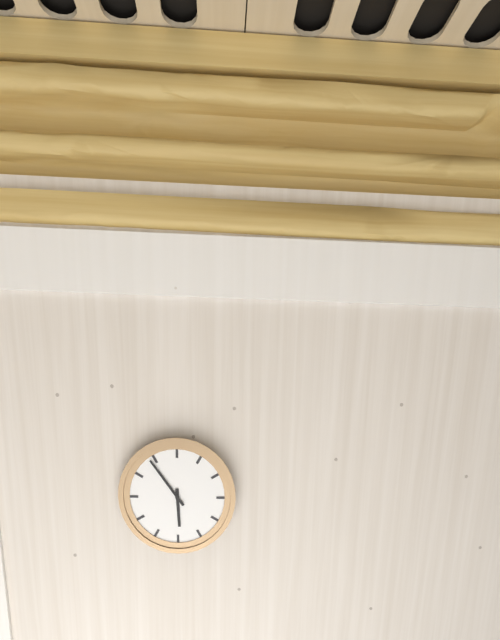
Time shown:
{"hour": 5, "minute": 54}
